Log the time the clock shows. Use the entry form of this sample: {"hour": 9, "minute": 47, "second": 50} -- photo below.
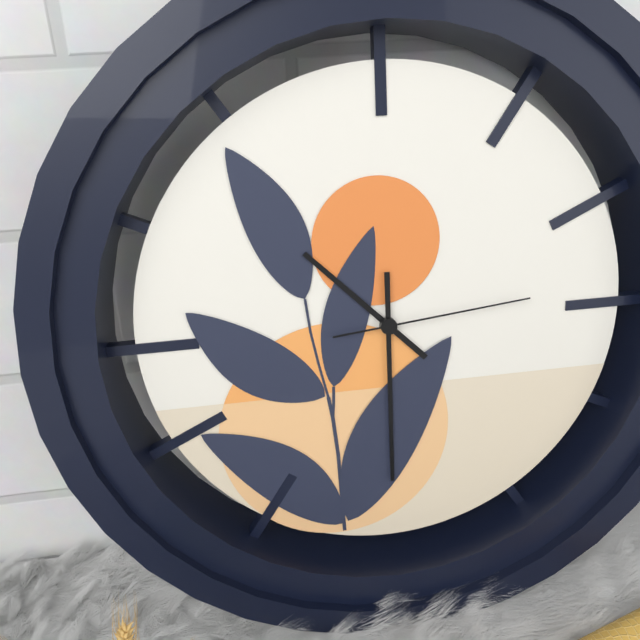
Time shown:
{"hour": 10, "minute": 30, "second": 14}
